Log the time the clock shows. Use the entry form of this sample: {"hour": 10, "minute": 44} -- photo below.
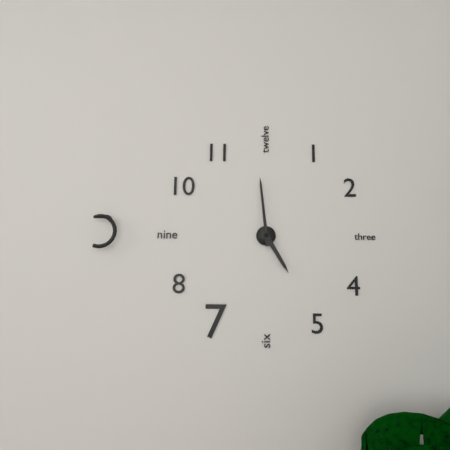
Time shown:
{"hour": 4, "minute": 59}
